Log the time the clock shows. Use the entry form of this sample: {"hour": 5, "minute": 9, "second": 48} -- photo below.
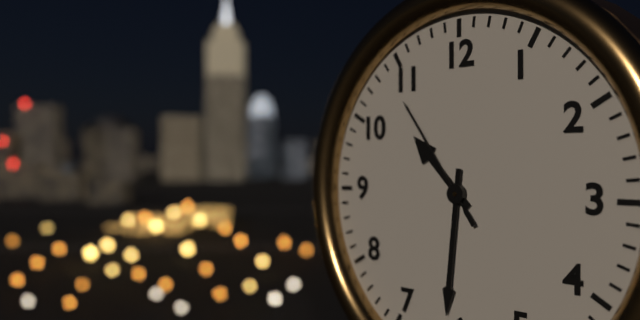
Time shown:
{"hour": 10, "minute": 31, "second": 54}
